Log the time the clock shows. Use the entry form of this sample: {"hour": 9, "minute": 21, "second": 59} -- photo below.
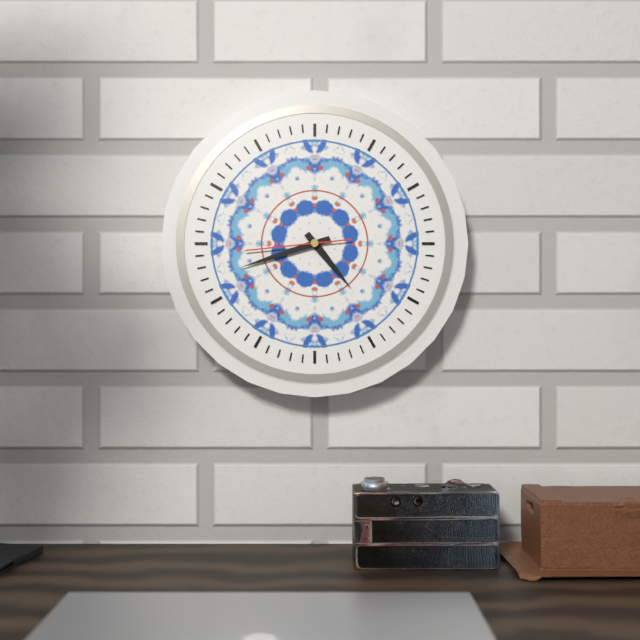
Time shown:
{"hour": 4, "minute": 42, "second": 44}
